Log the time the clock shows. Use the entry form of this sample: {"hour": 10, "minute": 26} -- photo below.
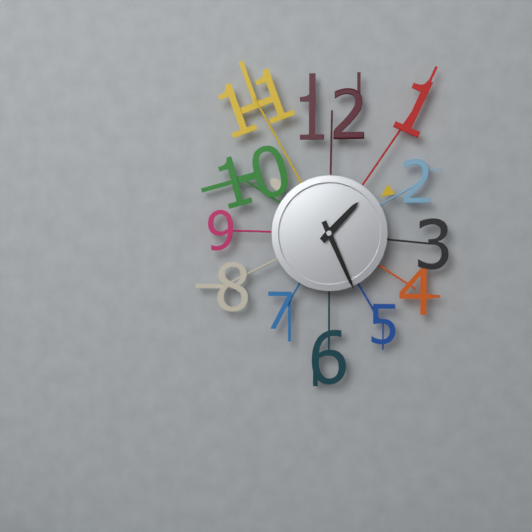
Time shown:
{"hour": 1, "minute": 26}
